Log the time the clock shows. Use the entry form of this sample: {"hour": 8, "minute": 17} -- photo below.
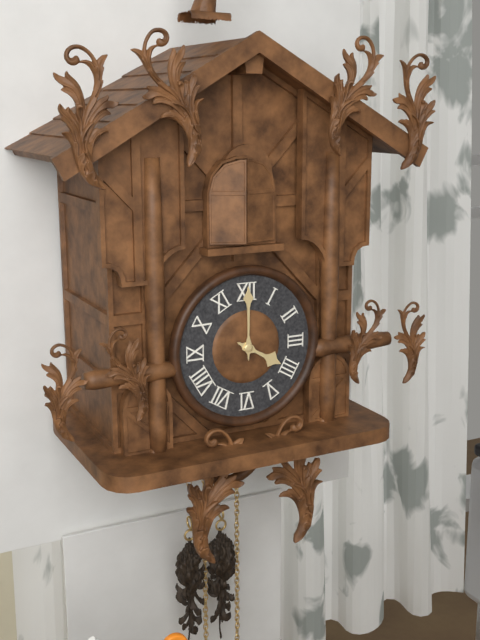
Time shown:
{"hour": 4, "minute": 0}
